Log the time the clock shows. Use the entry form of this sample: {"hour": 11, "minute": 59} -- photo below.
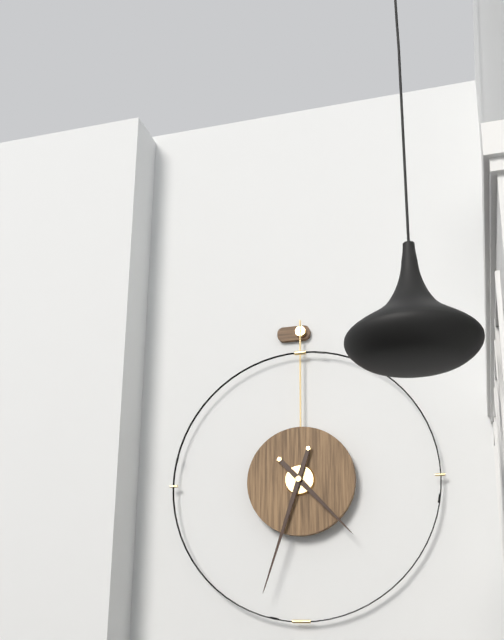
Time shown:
{"hour": 4, "minute": 33}
